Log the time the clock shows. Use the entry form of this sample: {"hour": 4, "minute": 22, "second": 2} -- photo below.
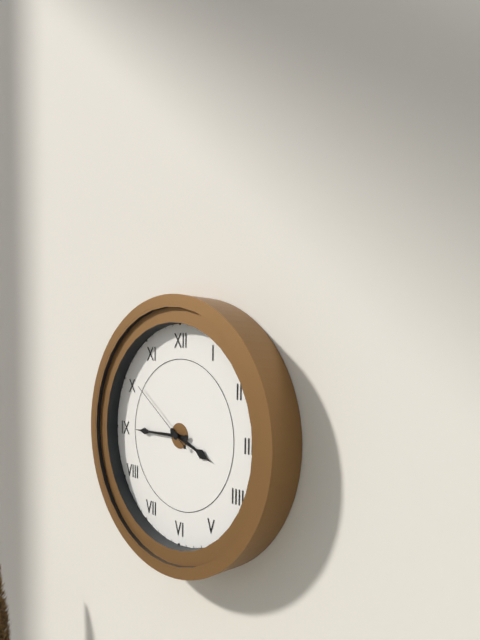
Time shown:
{"hour": 3, "minute": 45, "second": 51}
